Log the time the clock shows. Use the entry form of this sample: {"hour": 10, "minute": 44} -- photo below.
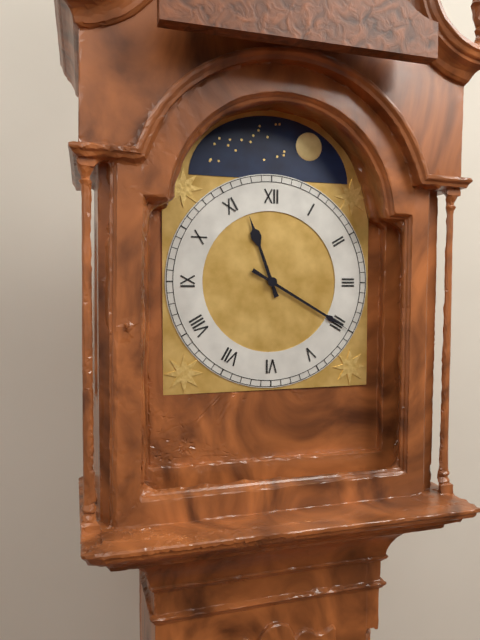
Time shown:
{"hour": 11, "minute": 20}
